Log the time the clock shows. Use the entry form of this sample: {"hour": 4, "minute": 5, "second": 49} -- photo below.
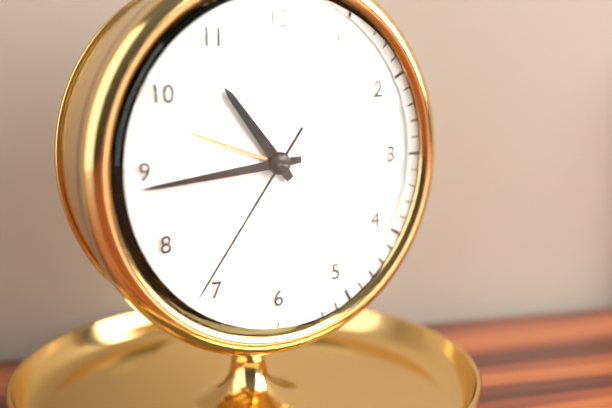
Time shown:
{"hour": 10, "minute": 44, "second": 36}
